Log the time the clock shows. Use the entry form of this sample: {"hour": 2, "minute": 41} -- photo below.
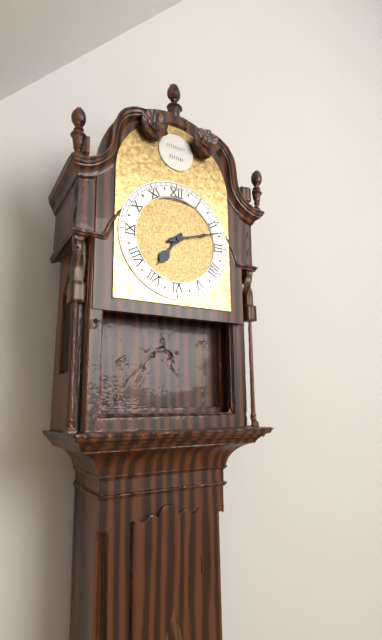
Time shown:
{"hour": 7, "minute": 12}
